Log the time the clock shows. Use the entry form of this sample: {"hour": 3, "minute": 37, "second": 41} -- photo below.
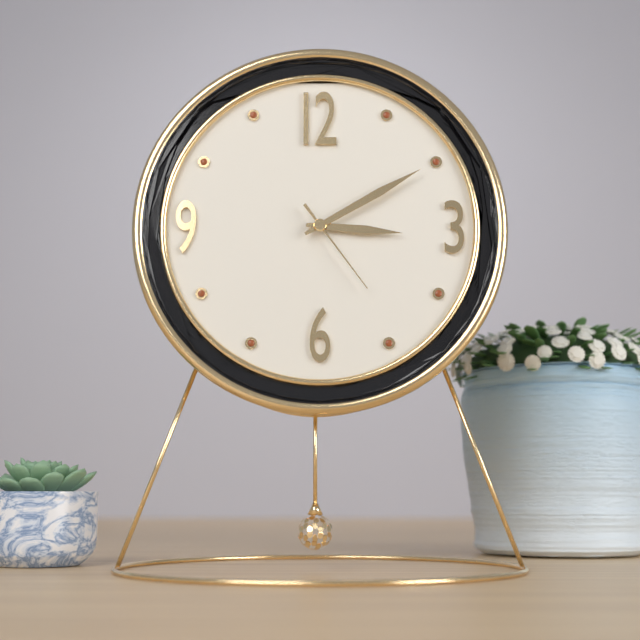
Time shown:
{"hour": 3, "minute": 10, "second": 24}
